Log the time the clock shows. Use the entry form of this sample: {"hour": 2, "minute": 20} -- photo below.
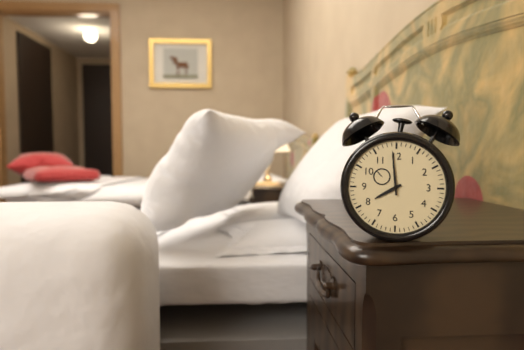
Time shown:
{"hour": 7, "minute": 59}
